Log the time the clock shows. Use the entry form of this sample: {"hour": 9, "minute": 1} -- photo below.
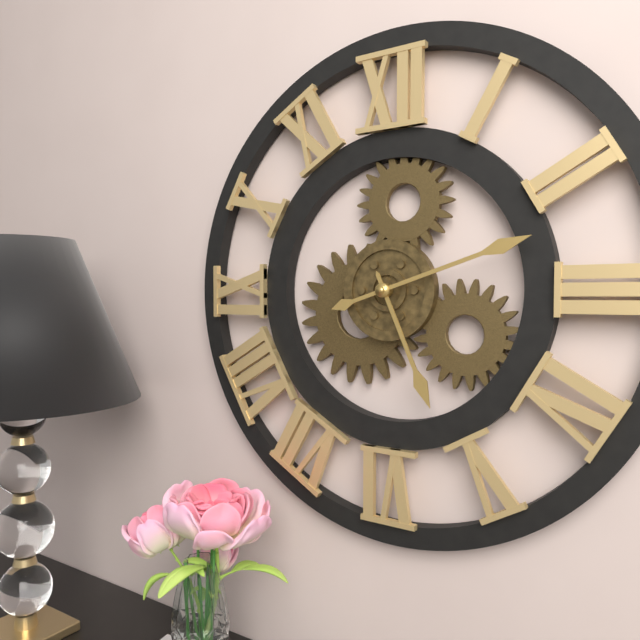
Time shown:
{"hour": 5, "minute": 12}
